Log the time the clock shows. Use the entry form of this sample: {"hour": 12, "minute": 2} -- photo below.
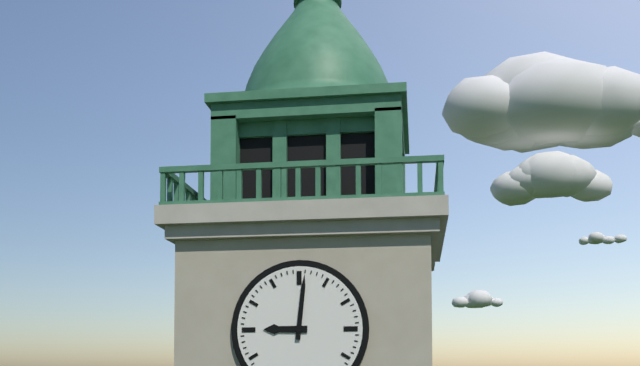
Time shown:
{"hour": 9, "minute": 1}
